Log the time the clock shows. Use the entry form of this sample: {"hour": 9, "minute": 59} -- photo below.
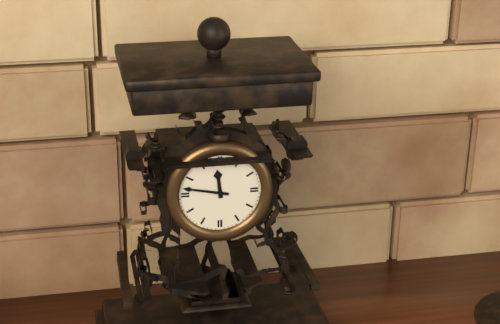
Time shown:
{"hour": 11, "minute": 47}
